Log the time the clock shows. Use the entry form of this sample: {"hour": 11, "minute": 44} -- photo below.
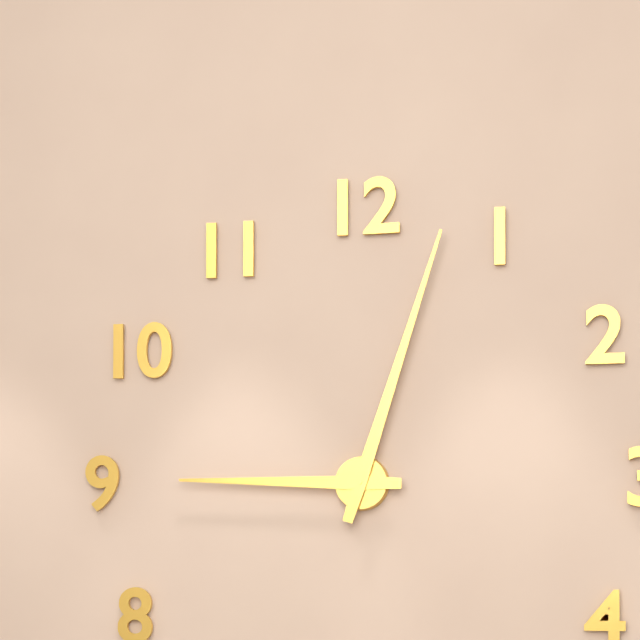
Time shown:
{"hour": 9, "minute": 3}
